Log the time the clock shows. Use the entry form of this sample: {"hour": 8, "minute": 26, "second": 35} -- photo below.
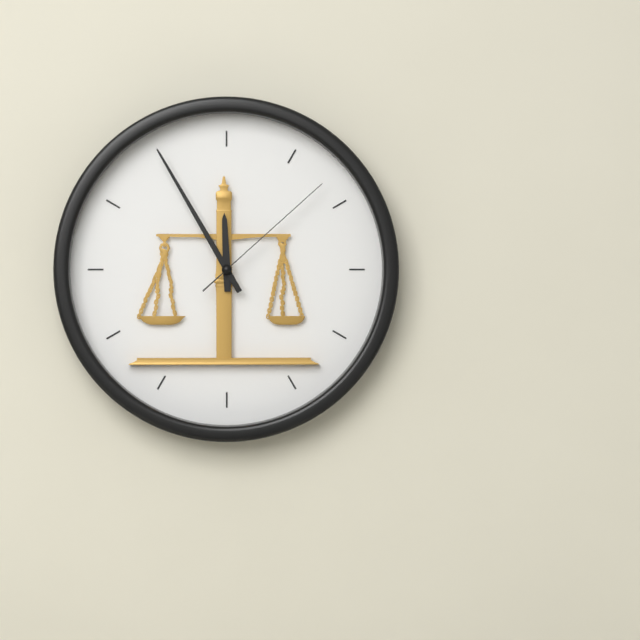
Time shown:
{"hour": 11, "minute": 55, "second": 8}
